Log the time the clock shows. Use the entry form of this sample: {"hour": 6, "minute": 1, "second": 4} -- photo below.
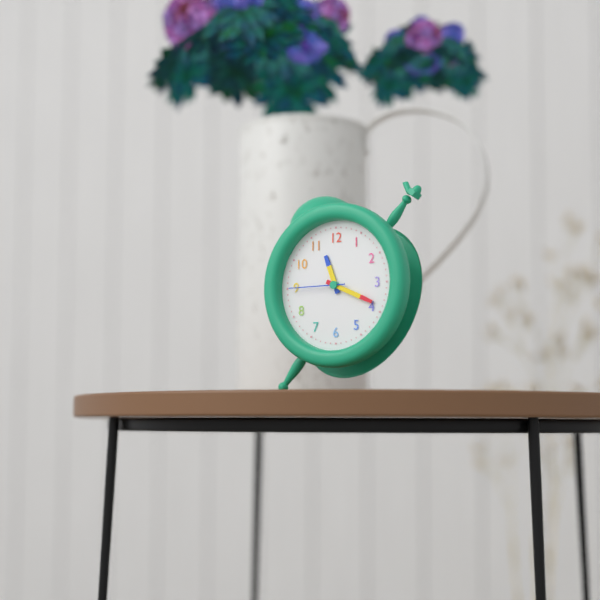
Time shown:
{"hour": 11, "minute": 19, "second": 45}
